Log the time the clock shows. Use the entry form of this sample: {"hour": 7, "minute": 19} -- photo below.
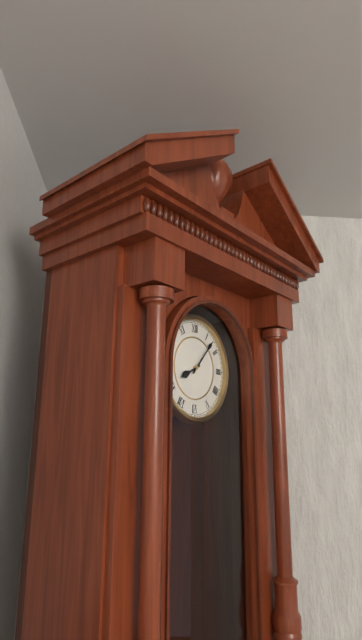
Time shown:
{"hour": 8, "minute": 7}
